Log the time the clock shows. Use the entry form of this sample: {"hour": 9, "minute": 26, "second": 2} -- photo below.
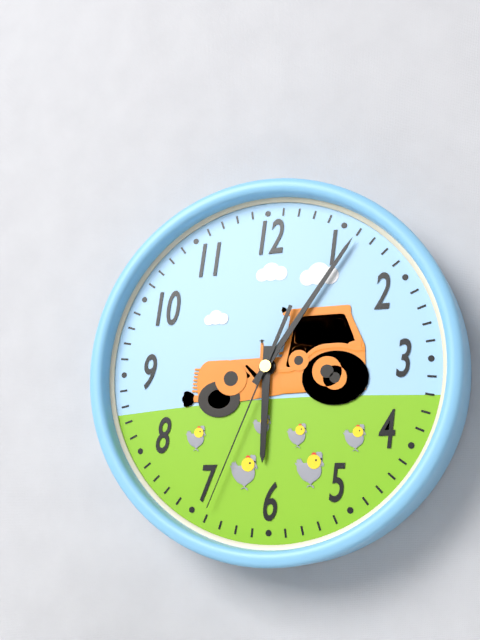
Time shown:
{"hour": 6, "minute": 6, "second": 34}
